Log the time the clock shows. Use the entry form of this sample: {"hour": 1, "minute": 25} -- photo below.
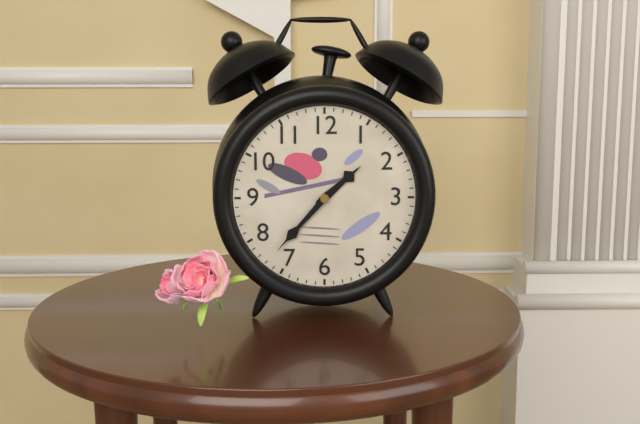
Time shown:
{"hour": 1, "minute": 37}
